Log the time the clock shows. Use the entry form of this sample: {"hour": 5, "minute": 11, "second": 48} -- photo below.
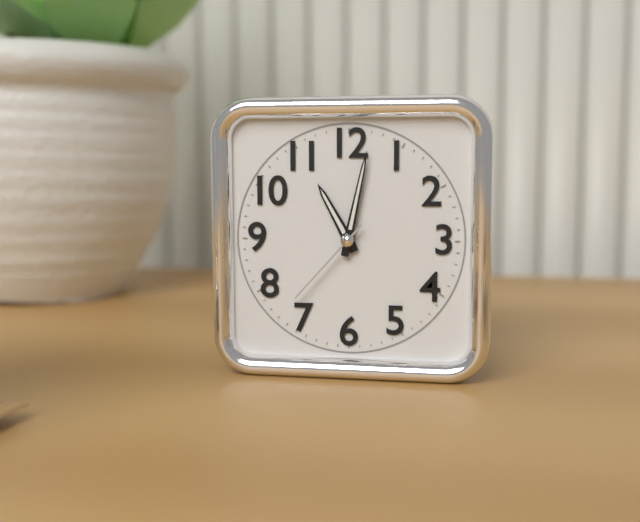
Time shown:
{"hour": 11, "minute": 2, "second": 37}
